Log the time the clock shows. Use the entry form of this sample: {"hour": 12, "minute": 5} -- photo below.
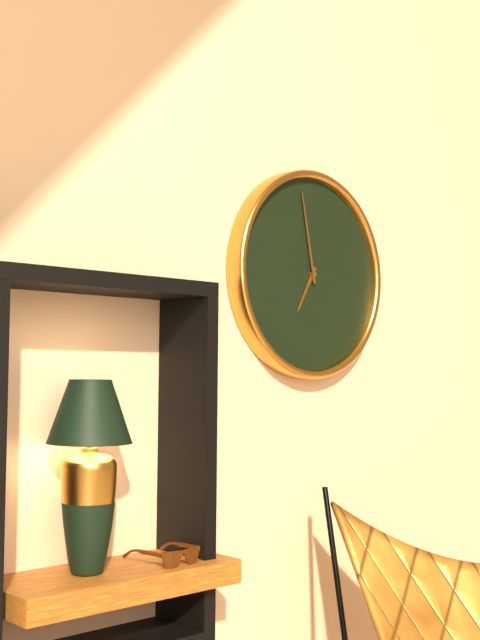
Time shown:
{"hour": 6, "minute": 58}
